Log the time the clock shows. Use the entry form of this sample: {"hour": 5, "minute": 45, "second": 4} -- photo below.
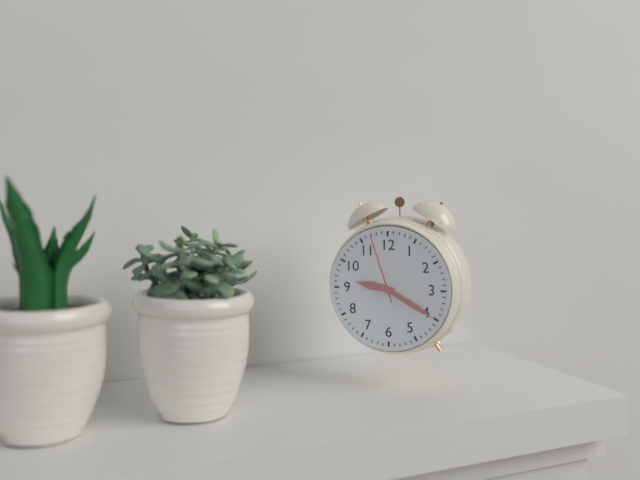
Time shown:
{"hour": 9, "minute": 20, "second": 57}
